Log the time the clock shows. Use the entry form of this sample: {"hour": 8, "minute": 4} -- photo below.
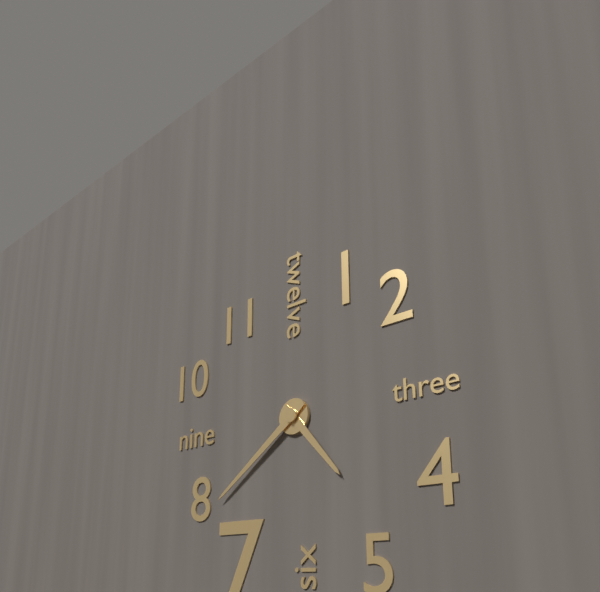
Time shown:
{"hour": 4, "minute": 39}
